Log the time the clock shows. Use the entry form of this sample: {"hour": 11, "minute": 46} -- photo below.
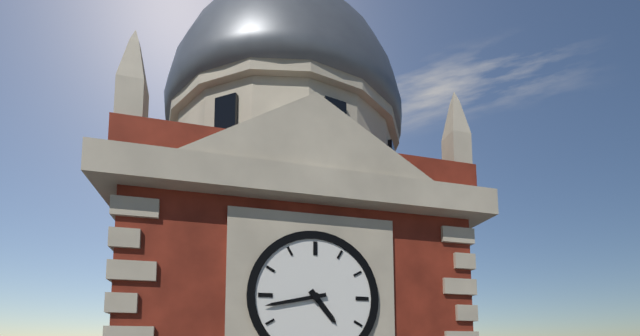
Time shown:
{"hour": 4, "minute": 43}
